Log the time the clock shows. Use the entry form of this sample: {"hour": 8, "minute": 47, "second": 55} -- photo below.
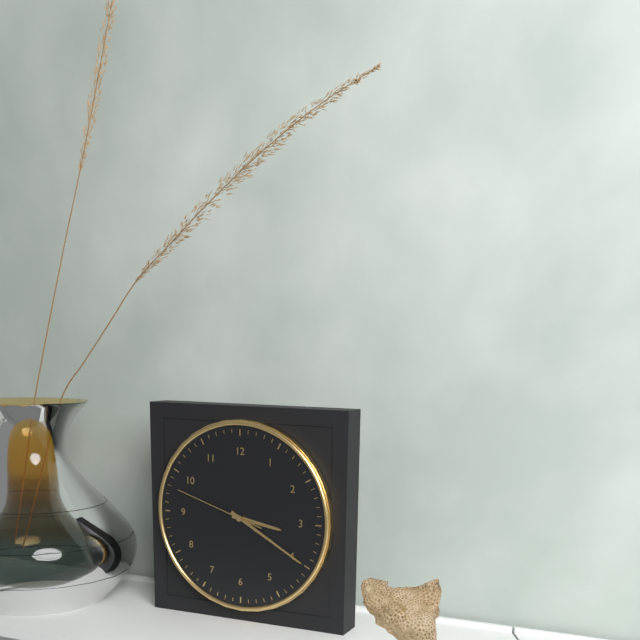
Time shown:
{"hour": 3, "minute": 20, "second": 48}
